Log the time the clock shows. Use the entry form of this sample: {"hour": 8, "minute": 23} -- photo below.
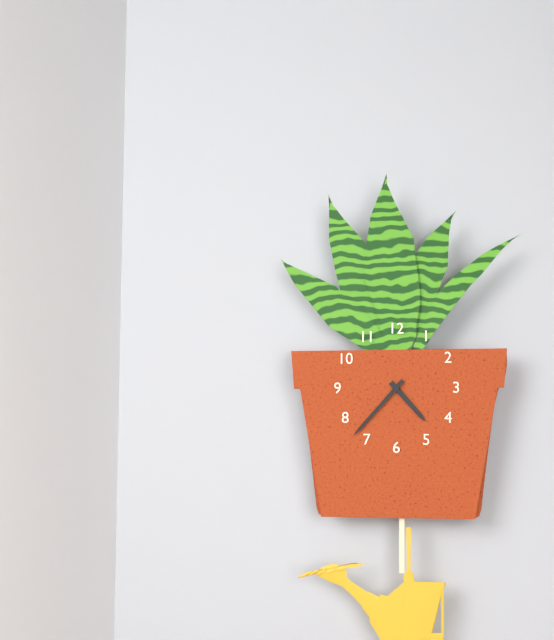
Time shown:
{"hour": 4, "minute": 37}
